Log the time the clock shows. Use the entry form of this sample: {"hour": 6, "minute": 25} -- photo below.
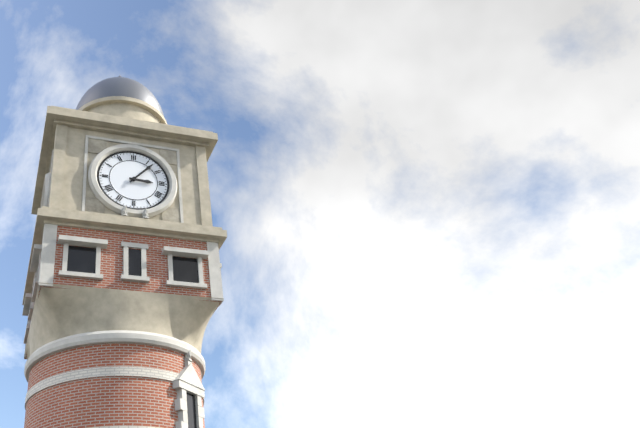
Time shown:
{"hour": 3, "minute": 7}
